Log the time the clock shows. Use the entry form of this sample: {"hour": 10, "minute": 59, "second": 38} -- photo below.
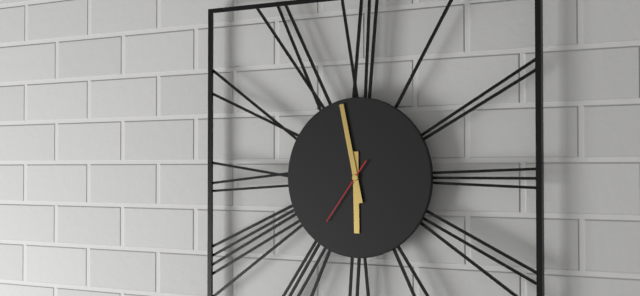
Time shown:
{"hour": 5, "minute": 58, "second": 36}
